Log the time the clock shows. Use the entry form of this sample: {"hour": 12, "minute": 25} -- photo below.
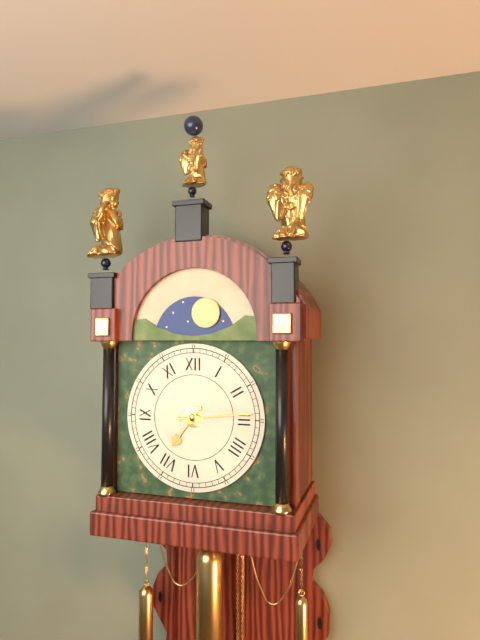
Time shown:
{"hour": 7, "minute": 14}
